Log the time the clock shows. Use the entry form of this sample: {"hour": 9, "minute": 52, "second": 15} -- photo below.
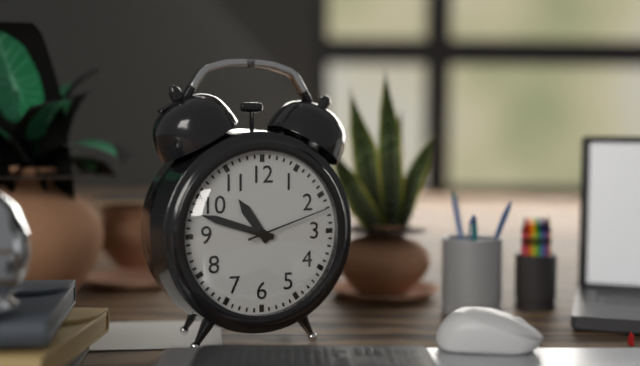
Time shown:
{"hour": 10, "minute": 48, "second": 12}
